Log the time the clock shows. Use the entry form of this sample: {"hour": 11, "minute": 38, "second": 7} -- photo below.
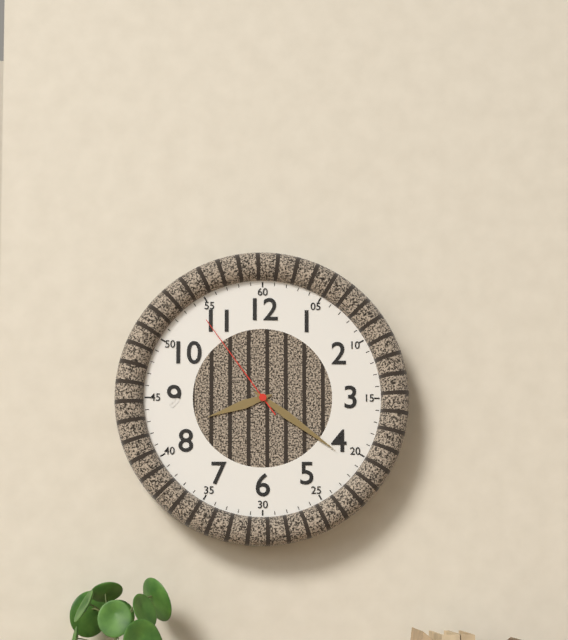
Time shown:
{"hour": 8, "minute": 21, "second": 54}
